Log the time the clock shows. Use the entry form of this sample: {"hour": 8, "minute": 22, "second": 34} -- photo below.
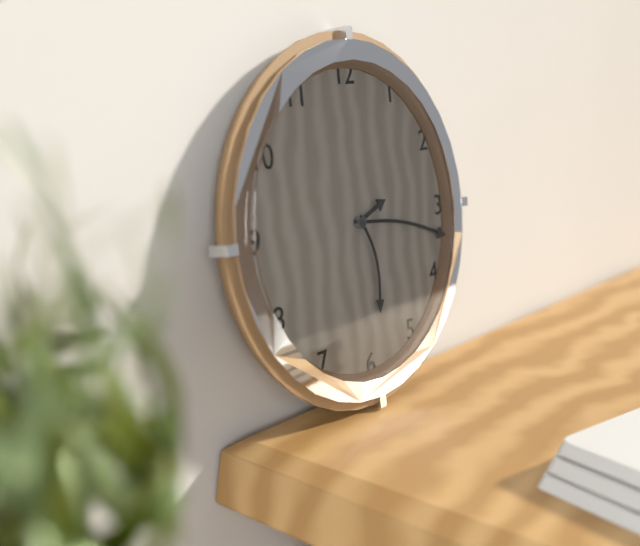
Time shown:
{"hour": 2, "minute": 17, "second": 28}
